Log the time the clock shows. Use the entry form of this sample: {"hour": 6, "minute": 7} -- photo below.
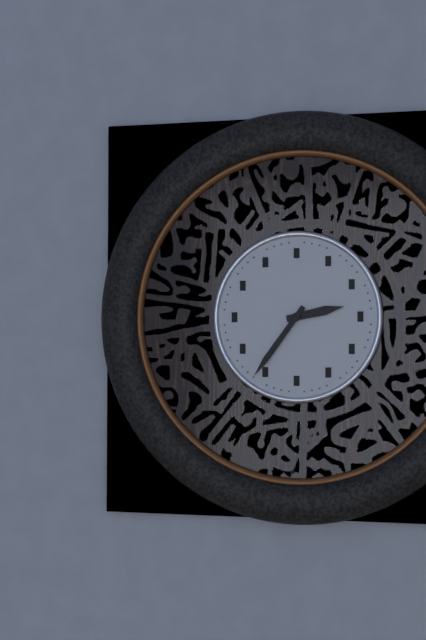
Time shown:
{"hour": 2, "minute": 36}
